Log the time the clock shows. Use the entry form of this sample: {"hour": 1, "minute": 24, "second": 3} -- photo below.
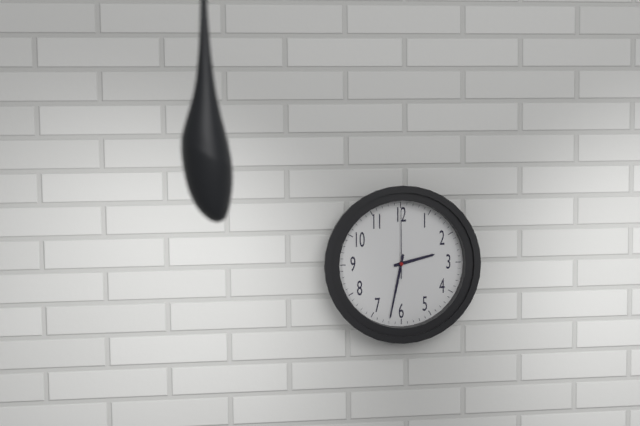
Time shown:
{"hour": 2, "minute": 32, "second": 0}
